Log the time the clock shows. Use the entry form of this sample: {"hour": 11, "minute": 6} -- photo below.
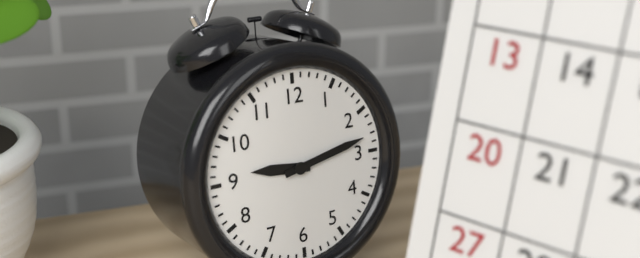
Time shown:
{"hour": 9, "minute": 13}
